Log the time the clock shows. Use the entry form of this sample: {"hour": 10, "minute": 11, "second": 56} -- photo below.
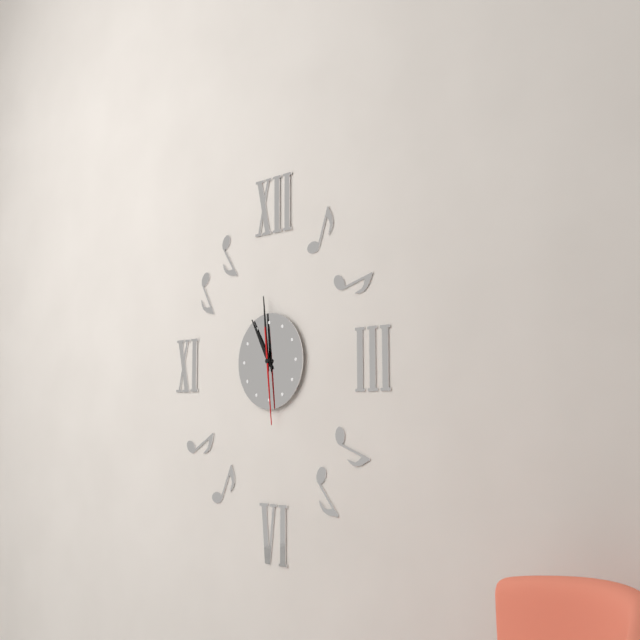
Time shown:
{"hour": 10, "minute": 59, "second": 29}
